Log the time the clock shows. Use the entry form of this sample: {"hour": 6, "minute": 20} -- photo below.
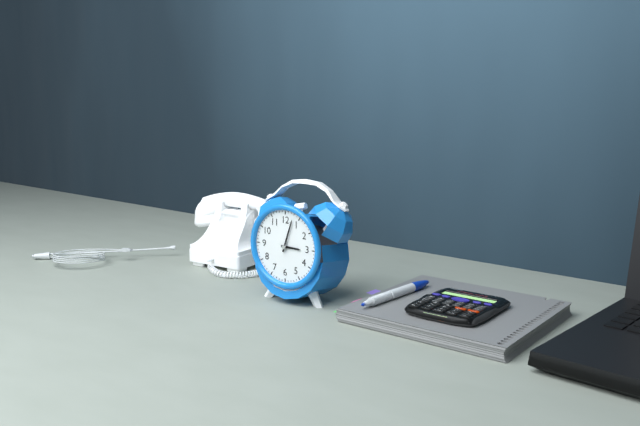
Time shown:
{"hour": 3, "minute": 3}
